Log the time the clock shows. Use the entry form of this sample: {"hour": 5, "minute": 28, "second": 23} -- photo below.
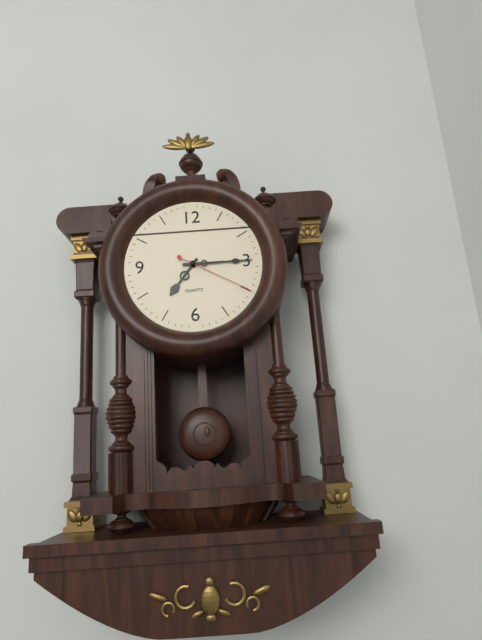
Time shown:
{"hour": 7, "minute": 15, "second": 20}
